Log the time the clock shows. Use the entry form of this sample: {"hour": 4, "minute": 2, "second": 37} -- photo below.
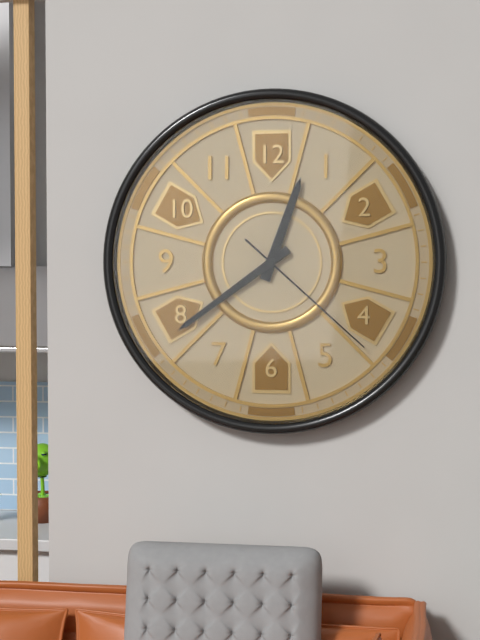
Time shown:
{"hour": 12, "minute": 39, "second": 22}
